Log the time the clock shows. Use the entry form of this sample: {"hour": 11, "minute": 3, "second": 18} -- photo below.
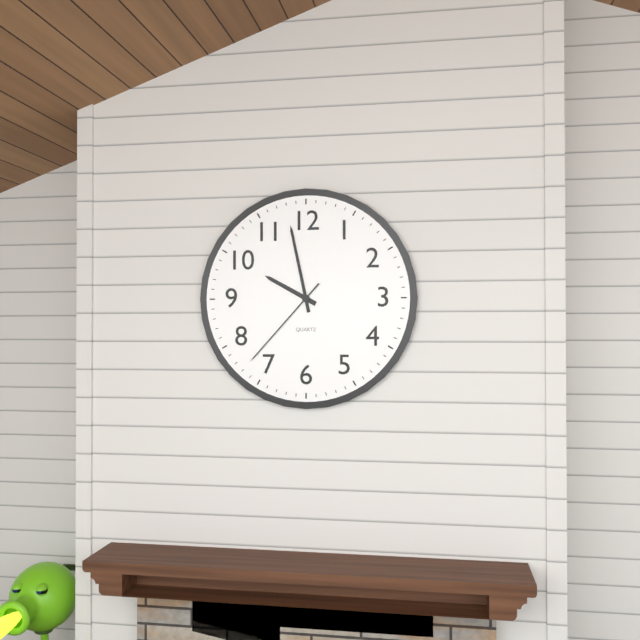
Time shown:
{"hour": 9, "minute": 58, "second": 37}
